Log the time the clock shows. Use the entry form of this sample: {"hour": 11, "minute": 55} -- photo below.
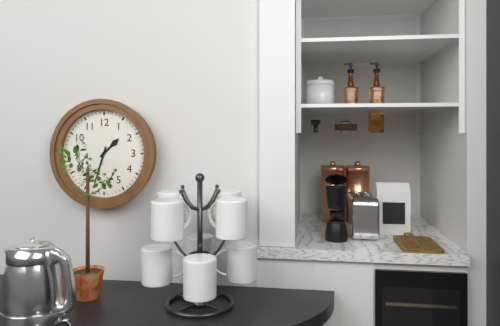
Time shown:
{"hour": 1, "minute": 33}
